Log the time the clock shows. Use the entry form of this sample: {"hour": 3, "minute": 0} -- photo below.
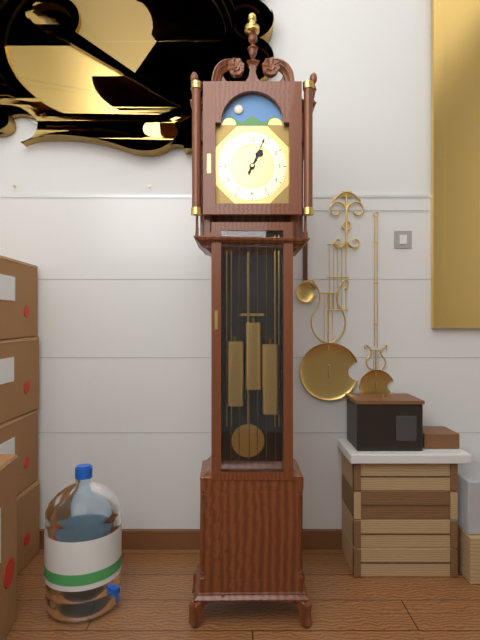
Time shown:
{"hour": 1, "minute": 4}
